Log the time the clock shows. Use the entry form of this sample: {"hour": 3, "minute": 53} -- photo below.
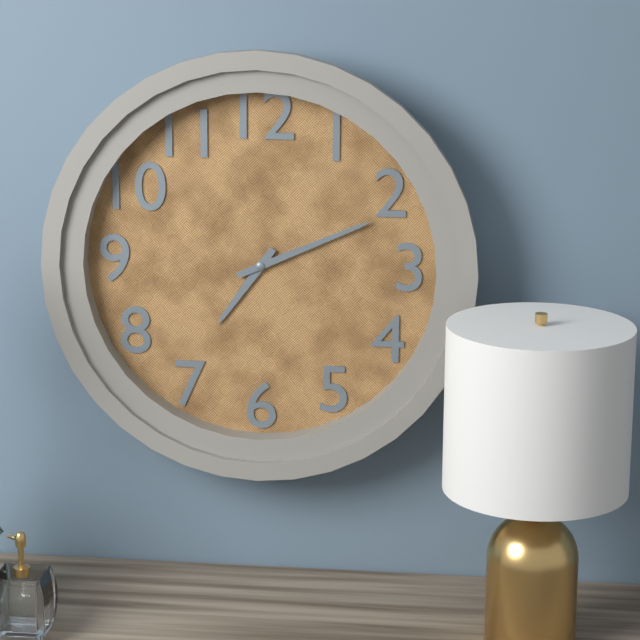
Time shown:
{"hour": 7, "minute": 11}
